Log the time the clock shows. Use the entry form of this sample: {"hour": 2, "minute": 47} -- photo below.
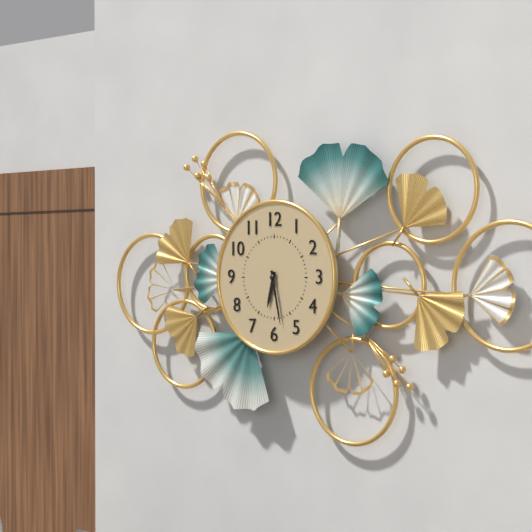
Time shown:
{"hour": 6, "minute": 28}
